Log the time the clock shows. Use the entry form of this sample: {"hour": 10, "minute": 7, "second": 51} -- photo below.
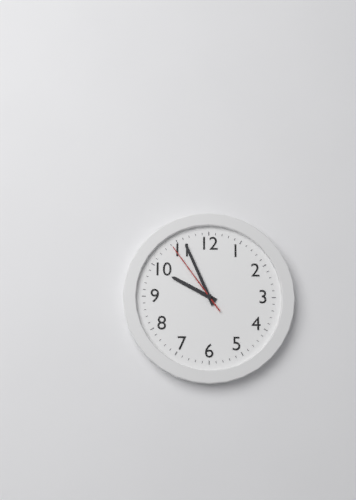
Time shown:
{"hour": 9, "minute": 56, "second": 54}
